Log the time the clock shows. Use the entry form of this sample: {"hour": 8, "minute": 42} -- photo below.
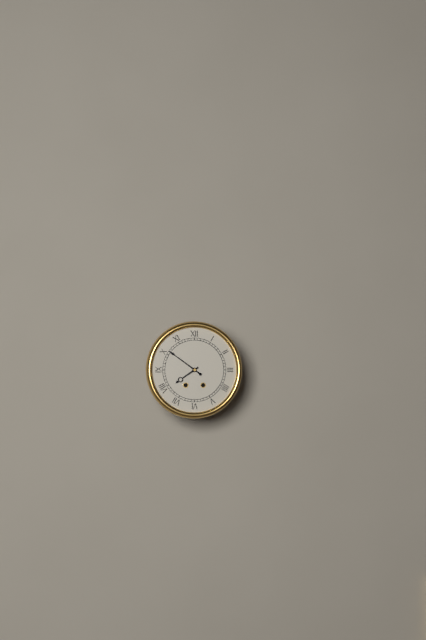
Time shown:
{"hour": 7, "minute": 51}
